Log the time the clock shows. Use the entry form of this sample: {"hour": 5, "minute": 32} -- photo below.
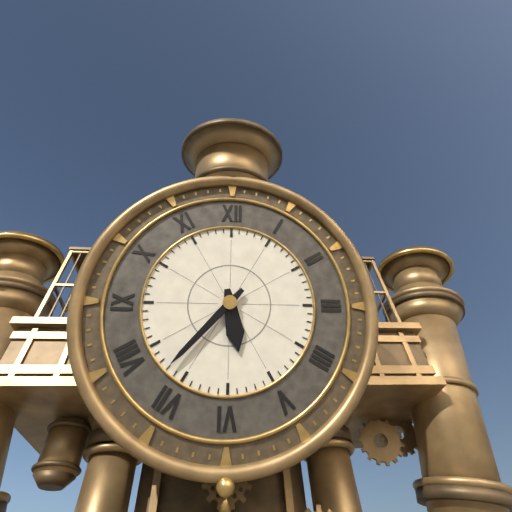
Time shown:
{"hour": 5, "minute": 37}
